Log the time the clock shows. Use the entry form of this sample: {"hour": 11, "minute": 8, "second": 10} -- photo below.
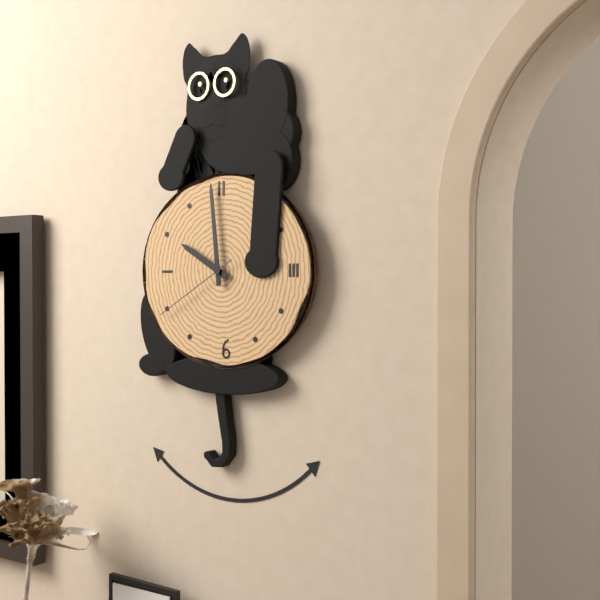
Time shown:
{"hour": 9, "minute": 59, "second": 40}
